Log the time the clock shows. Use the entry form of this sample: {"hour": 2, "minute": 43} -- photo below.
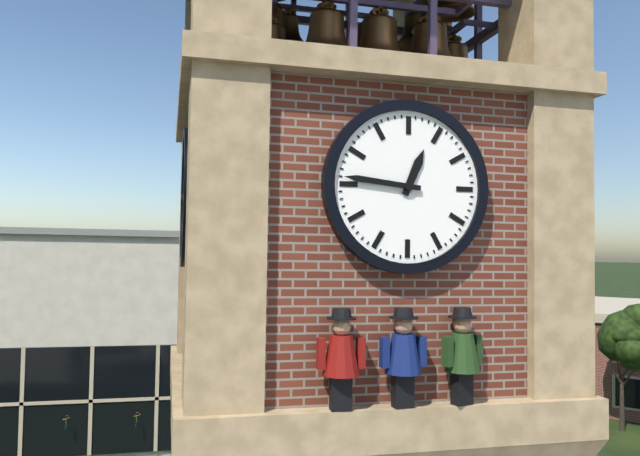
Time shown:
{"hour": 12, "minute": 46}
